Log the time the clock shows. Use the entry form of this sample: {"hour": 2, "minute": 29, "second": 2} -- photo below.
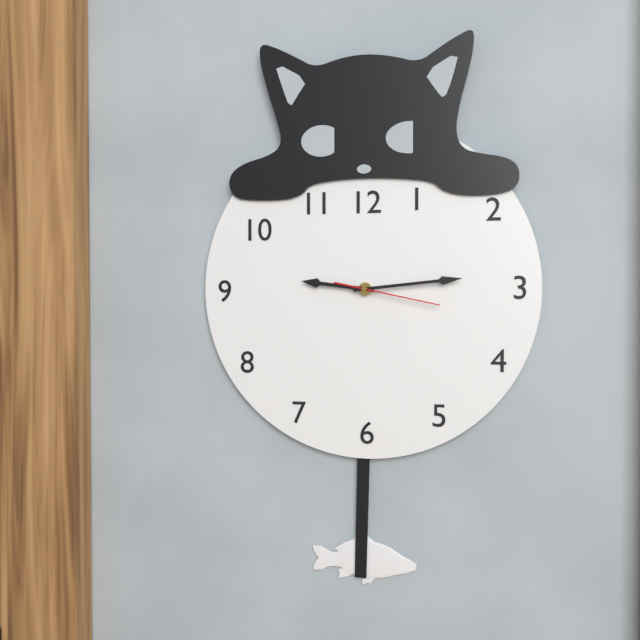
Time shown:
{"hour": 9, "minute": 14, "second": 17}
